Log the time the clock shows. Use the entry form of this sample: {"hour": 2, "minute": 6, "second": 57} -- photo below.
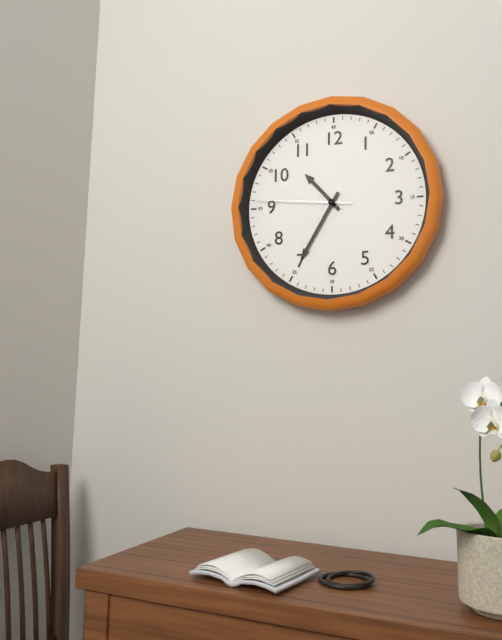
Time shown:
{"hour": 10, "minute": 35, "second": 46}
